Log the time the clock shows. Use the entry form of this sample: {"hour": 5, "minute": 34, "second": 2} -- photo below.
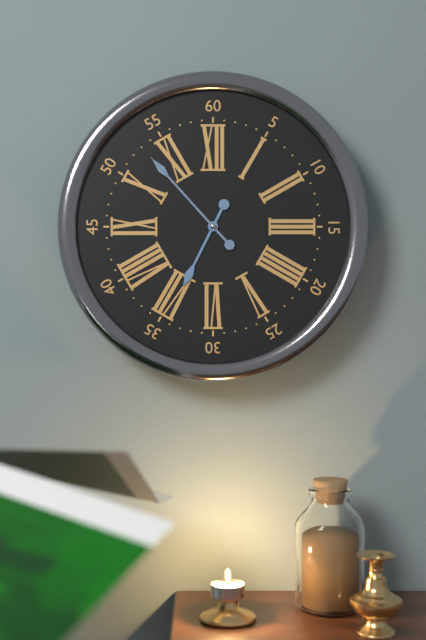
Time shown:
{"hour": 6, "minute": 53, "second": 53}
